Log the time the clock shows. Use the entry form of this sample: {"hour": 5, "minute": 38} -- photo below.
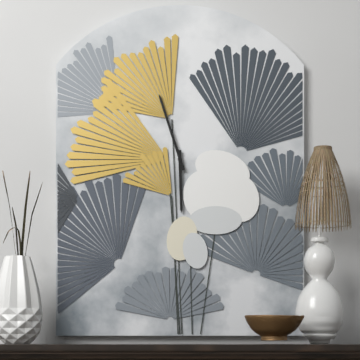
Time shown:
{"hour": 5, "minute": 57}
